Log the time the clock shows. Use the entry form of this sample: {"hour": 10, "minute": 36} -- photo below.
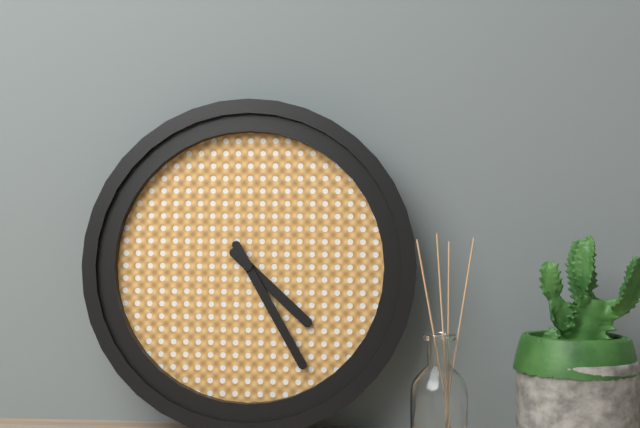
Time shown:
{"hour": 4, "minute": 25}
